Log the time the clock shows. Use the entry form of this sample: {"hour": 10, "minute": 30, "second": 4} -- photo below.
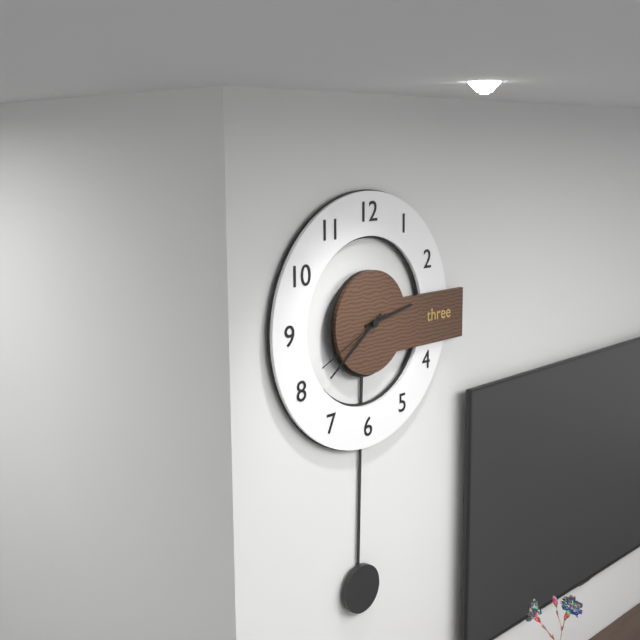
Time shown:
{"hour": 2, "minute": 39, "second": 41}
